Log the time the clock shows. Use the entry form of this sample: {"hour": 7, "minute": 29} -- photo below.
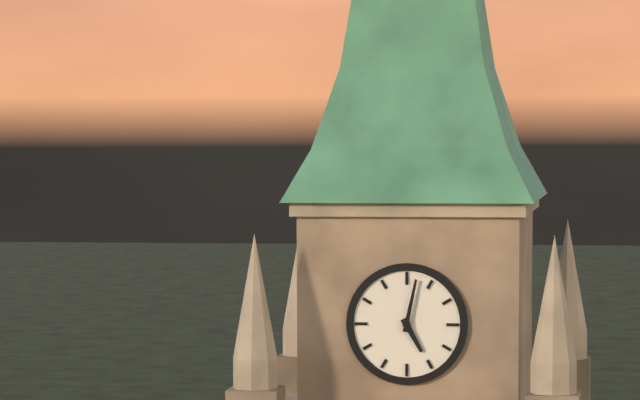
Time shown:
{"hour": 5, "minute": 2}
